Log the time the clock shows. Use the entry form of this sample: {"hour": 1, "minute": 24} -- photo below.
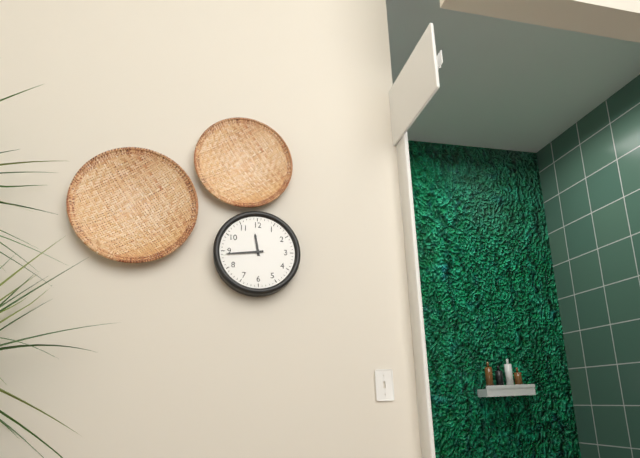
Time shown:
{"hour": 11, "minute": 44}
